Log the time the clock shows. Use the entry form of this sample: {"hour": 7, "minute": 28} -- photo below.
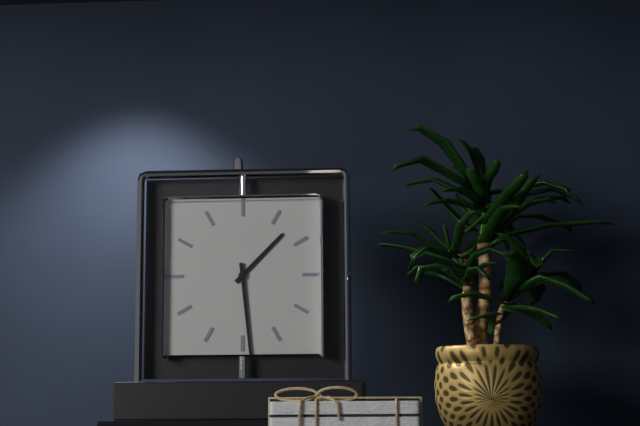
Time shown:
{"hour": 1, "minute": 29}
